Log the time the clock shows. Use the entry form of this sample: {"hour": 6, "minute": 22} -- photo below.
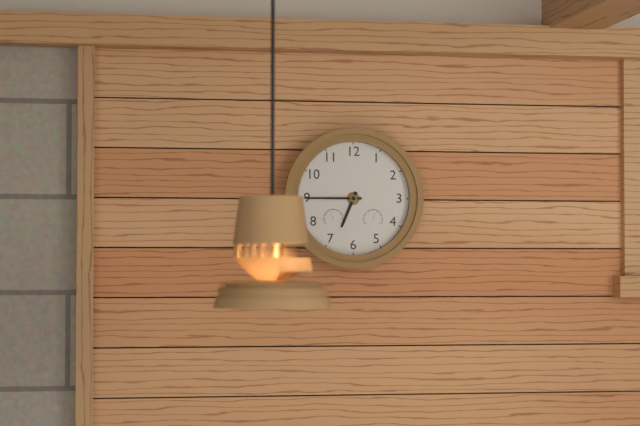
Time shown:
{"hour": 6, "minute": 45}
